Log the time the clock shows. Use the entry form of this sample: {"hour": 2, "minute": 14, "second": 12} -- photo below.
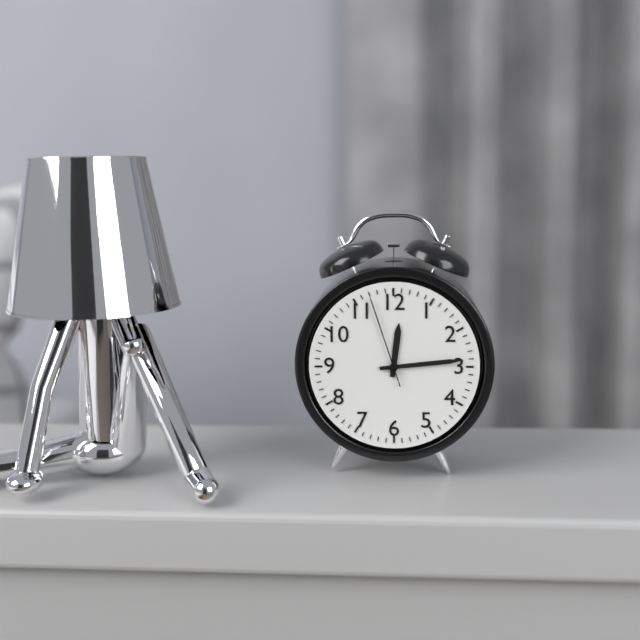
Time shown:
{"hour": 12, "minute": 14, "second": 57}
